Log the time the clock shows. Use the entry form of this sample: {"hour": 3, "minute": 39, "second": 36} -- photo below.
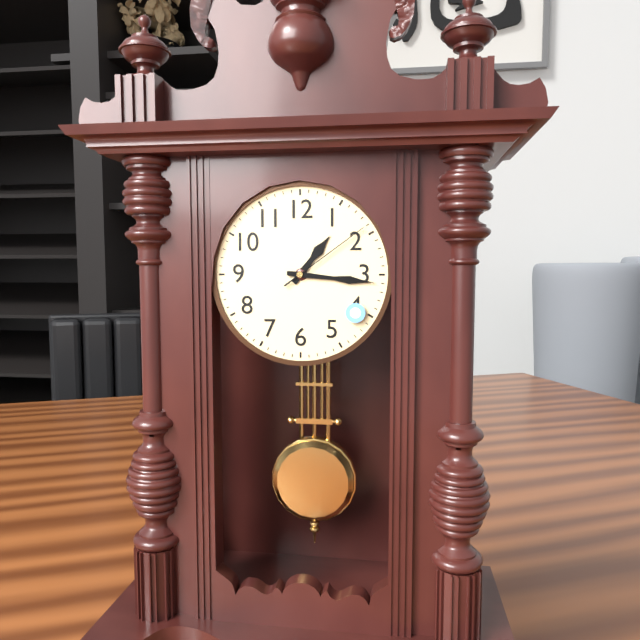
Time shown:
{"hour": 1, "minute": 16, "second": 9}
